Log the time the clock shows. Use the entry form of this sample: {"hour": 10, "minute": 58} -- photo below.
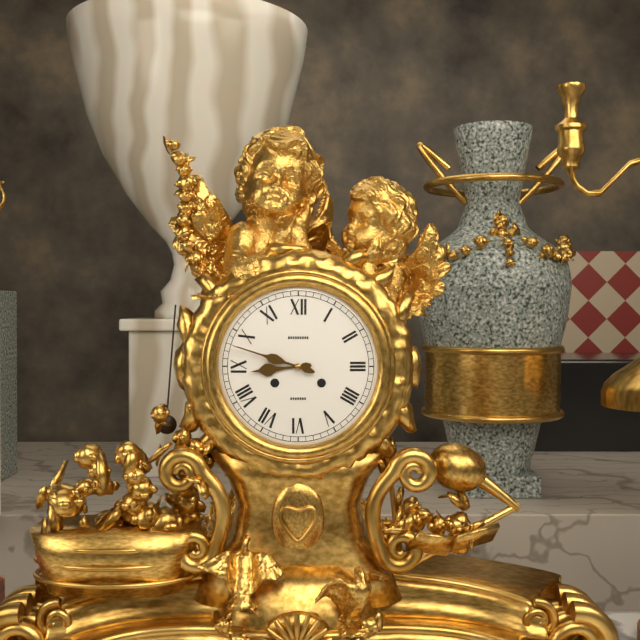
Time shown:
{"hour": 8, "minute": 48}
